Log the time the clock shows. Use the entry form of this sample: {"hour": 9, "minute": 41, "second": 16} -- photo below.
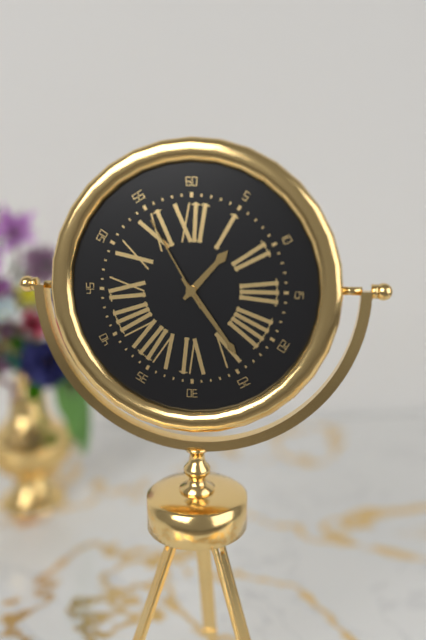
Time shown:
{"hour": 1, "minute": 24, "second": 55}
